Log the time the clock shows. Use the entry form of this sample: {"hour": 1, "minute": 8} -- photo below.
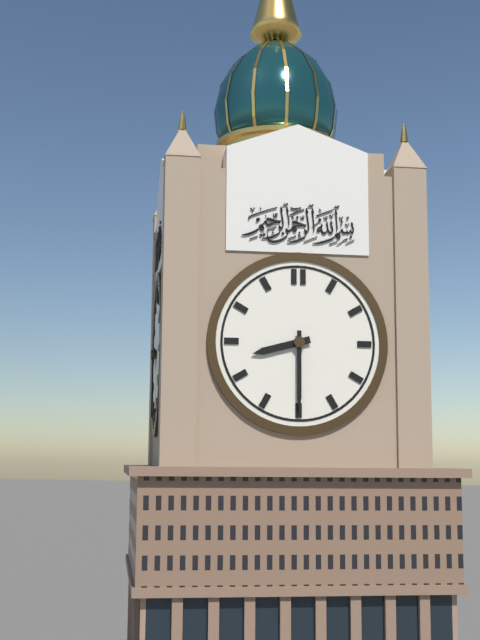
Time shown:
{"hour": 8, "minute": 30}
